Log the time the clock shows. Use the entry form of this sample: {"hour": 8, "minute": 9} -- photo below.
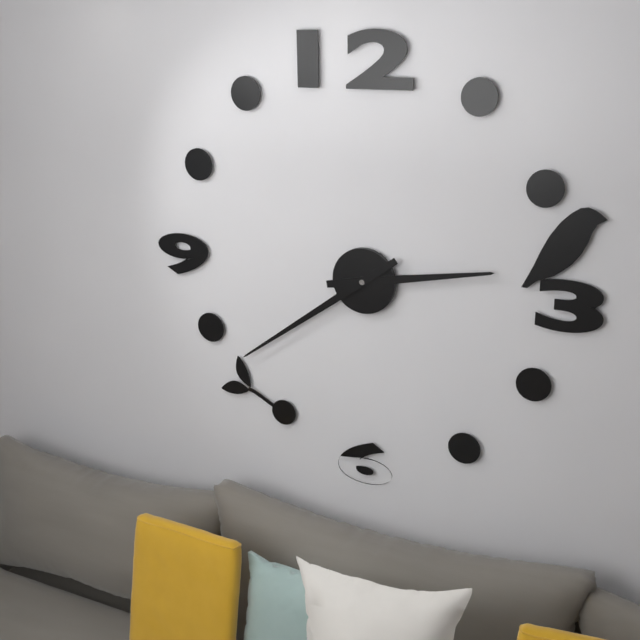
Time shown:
{"hour": 2, "minute": 39}
